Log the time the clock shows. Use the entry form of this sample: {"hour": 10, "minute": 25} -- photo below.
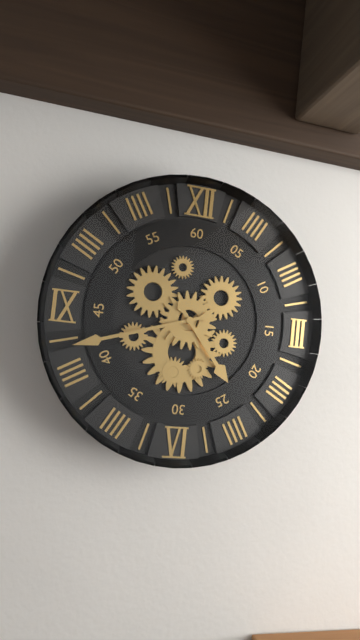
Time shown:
{"hour": 4, "minute": 42}
